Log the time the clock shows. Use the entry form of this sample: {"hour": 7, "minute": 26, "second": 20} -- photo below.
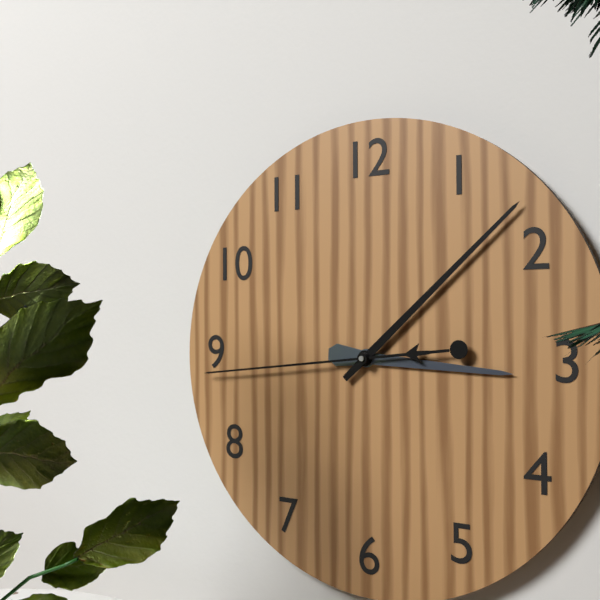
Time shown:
{"hour": 3, "minute": 8, "second": 44}
